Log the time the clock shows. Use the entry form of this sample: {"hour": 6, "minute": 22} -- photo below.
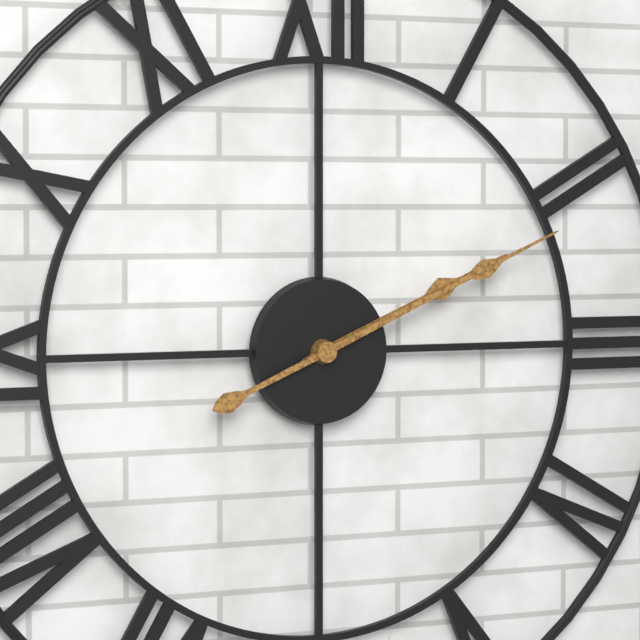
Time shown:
{"hour": 2, "minute": 11}
